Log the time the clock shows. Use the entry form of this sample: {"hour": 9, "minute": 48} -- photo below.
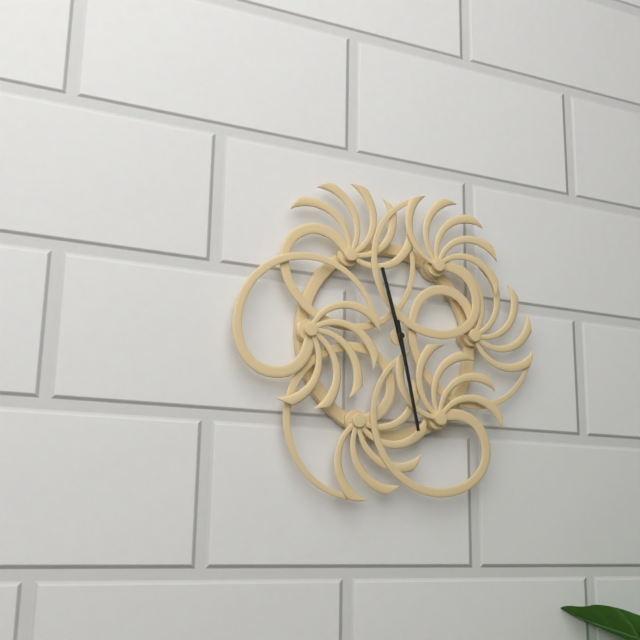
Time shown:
{"hour": 11, "minute": 28}
